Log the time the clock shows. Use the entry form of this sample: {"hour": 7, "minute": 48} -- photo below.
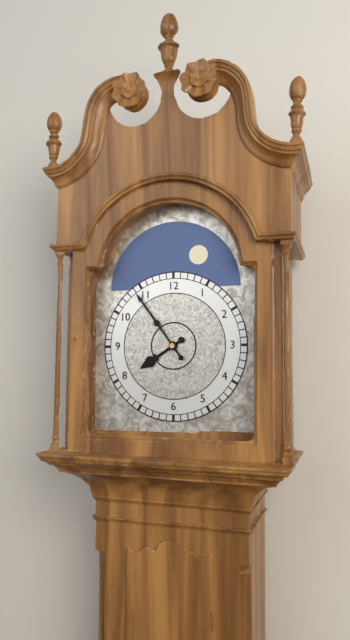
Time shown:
{"hour": 7, "minute": 54}
